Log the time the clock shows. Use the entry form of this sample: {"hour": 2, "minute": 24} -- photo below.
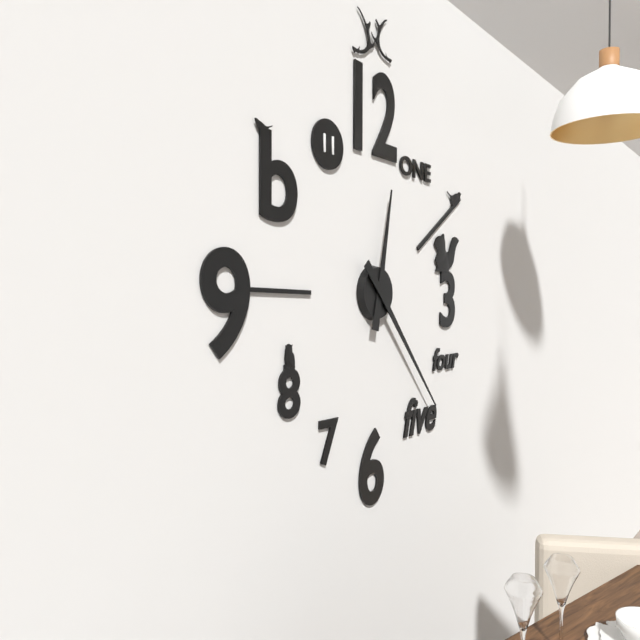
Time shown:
{"hour": 12, "minute": 23}
